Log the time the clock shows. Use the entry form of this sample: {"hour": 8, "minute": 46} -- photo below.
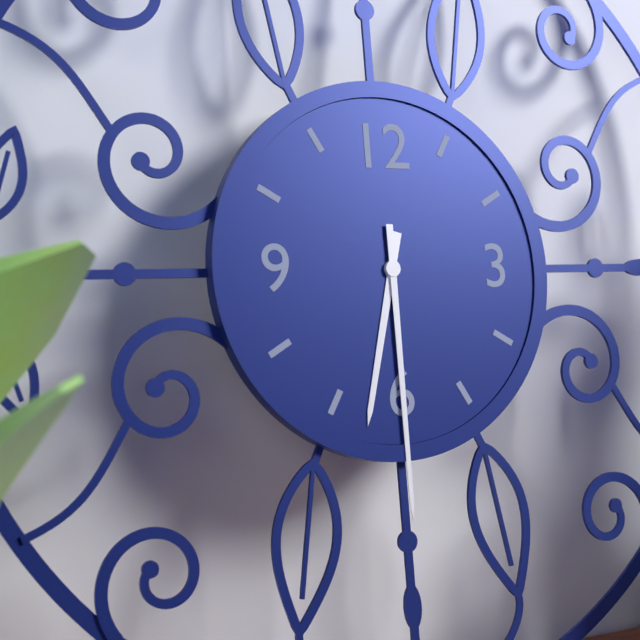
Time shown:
{"hour": 6, "minute": 30}
